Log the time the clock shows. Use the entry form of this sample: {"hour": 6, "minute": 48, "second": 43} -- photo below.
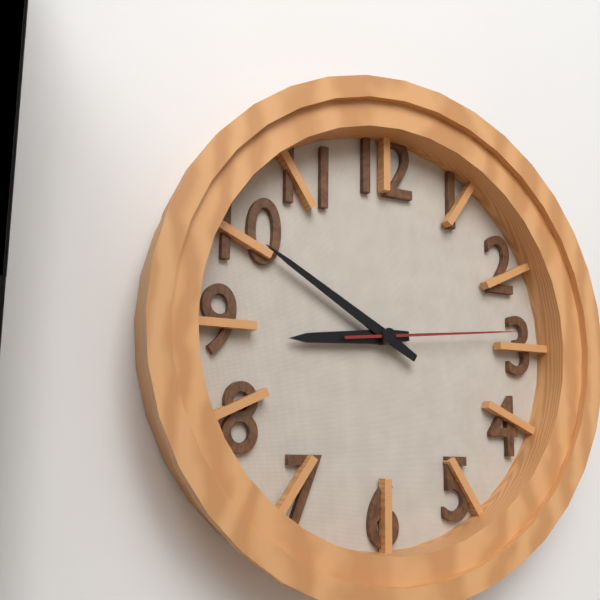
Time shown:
{"hour": 8, "minute": 50, "second": 14}
